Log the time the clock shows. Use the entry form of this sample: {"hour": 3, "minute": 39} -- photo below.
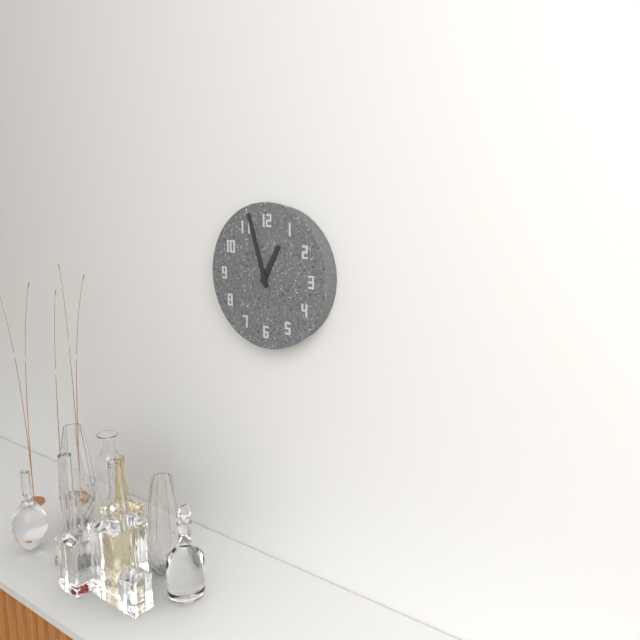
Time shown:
{"hour": 12, "minute": 57}
